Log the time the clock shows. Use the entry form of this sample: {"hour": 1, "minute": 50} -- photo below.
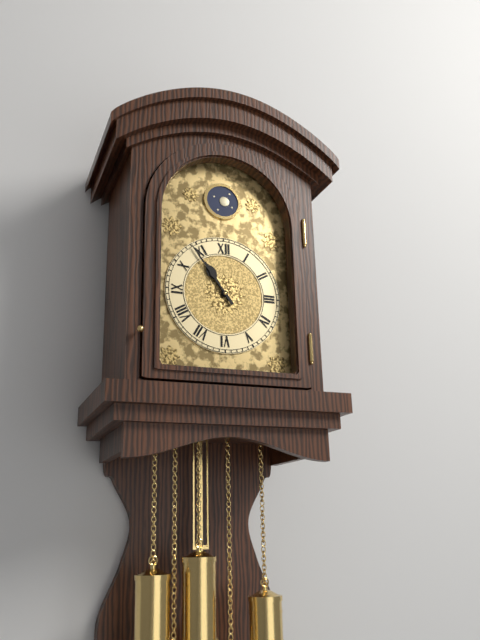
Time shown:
{"hour": 10, "minute": 54}
